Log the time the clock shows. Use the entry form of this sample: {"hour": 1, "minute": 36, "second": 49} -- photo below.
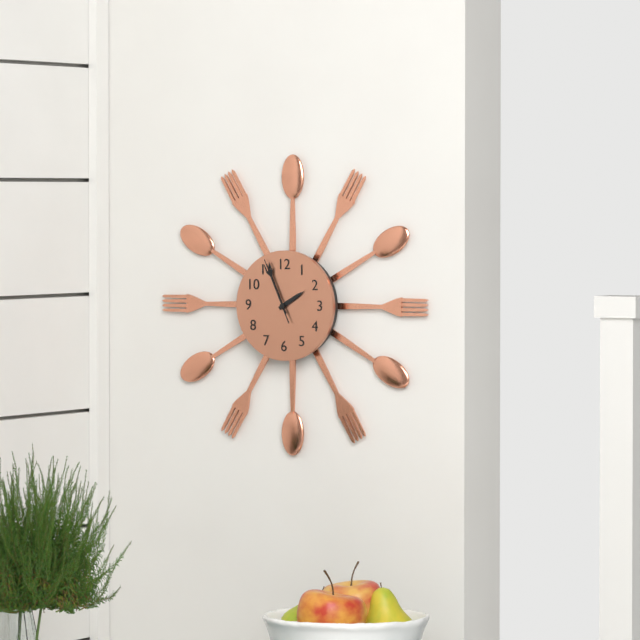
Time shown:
{"hour": 1, "minute": 56, "second": 56}
